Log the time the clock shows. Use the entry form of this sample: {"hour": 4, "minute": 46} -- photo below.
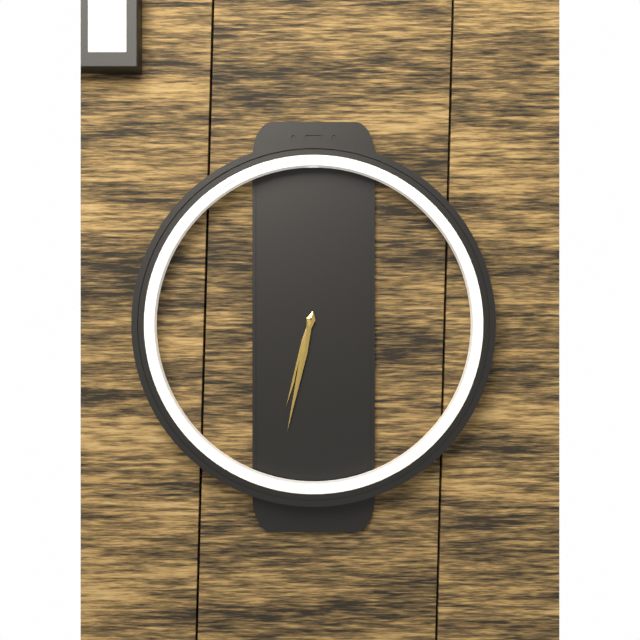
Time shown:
{"hour": 6, "minute": 32}
